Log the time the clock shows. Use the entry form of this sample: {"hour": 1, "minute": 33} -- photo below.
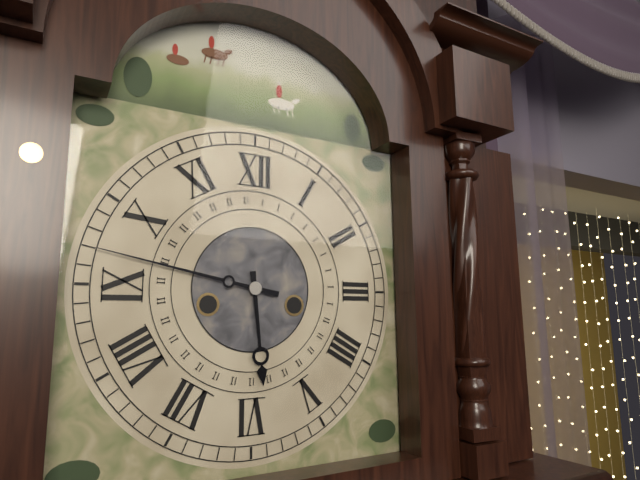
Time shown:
{"hour": 5, "minute": 47}
